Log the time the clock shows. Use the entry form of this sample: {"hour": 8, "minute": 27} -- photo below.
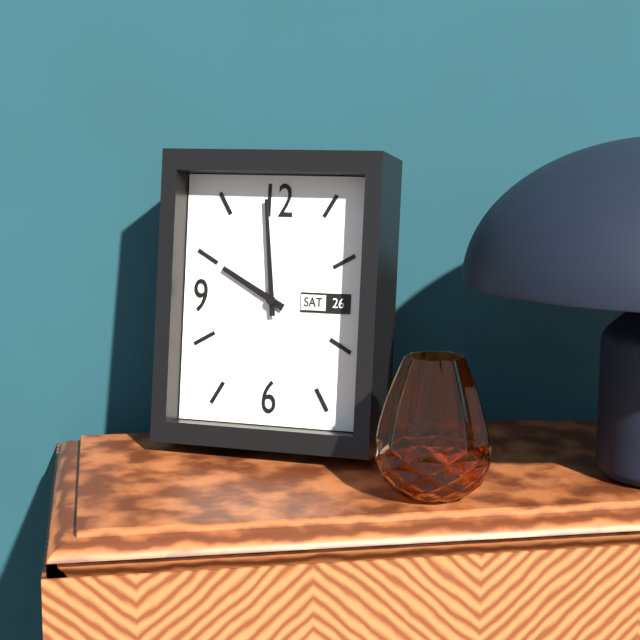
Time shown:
{"hour": 9, "minute": 59}
